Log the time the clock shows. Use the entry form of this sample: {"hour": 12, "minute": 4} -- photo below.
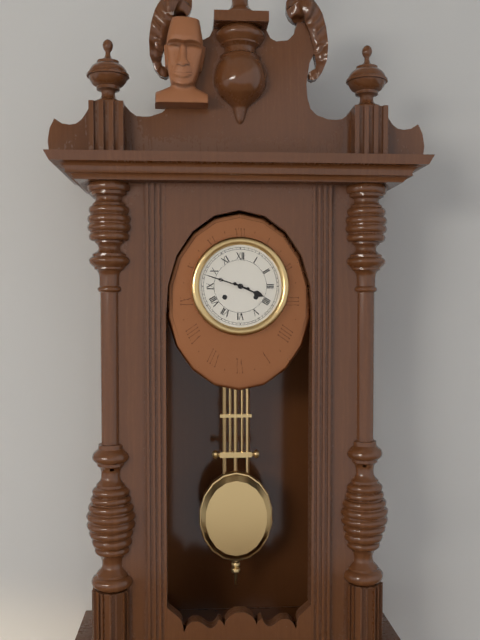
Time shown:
{"hour": 3, "minute": 48}
